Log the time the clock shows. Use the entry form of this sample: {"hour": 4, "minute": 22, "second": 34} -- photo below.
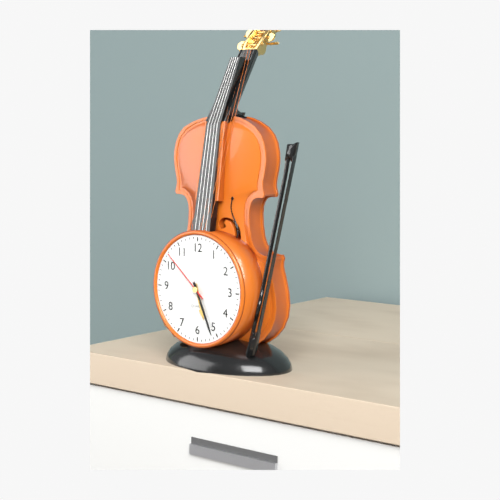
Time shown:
{"hour": 5, "minute": 26, "second": 52}
